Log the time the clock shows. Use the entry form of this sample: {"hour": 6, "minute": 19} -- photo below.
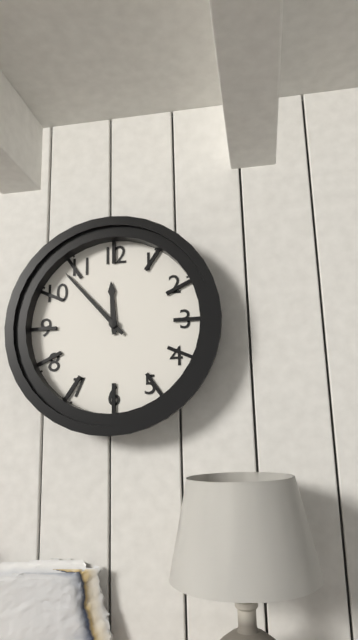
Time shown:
{"hour": 11, "minute": 53}
